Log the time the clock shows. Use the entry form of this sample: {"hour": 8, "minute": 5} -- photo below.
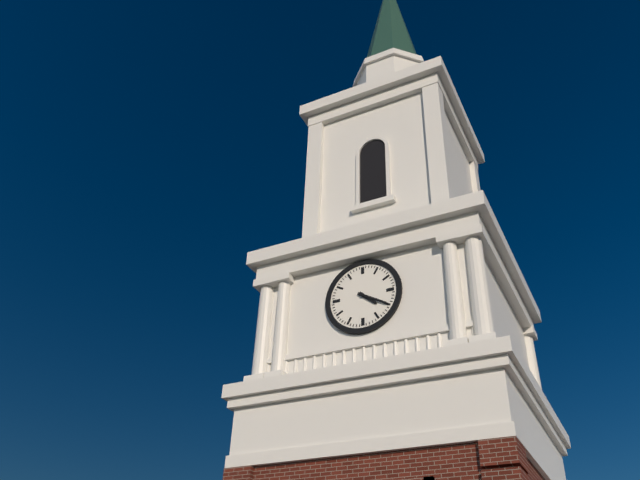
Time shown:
{"hour": 4, "minute": 20}
